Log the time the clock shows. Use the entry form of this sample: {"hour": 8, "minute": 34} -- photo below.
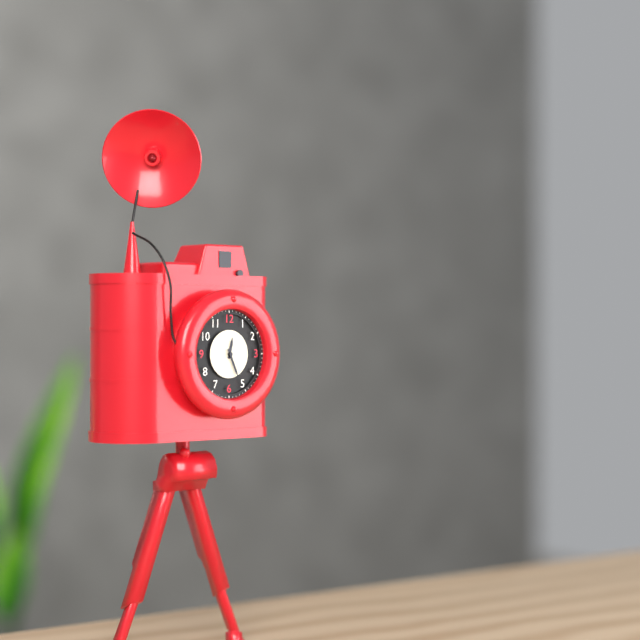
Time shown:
{"hour": 12, "minute": 26}
